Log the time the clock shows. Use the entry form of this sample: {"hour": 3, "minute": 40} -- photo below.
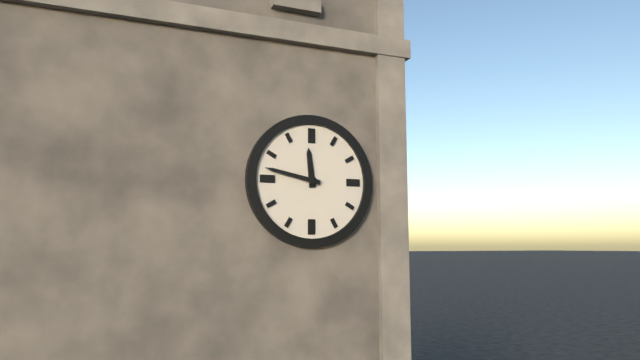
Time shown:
{"hour": 11, "minute": 47}
